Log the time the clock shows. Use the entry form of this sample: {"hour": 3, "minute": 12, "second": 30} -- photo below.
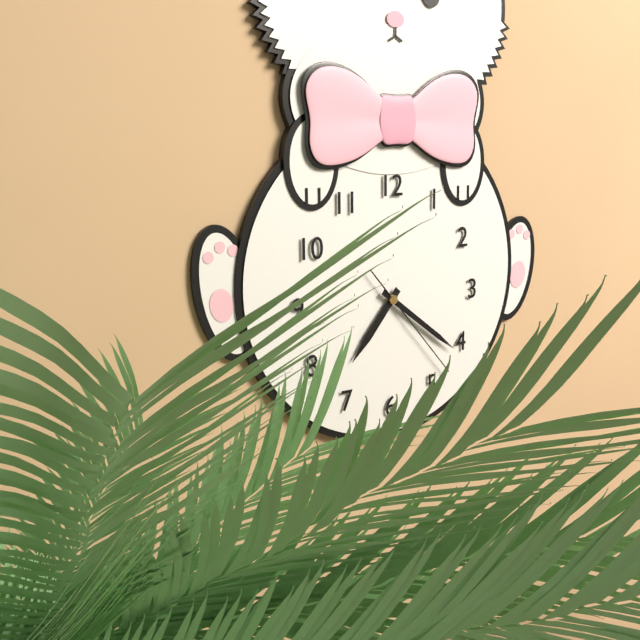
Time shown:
{"hour": 7, "minute": 21, "second": 23}
